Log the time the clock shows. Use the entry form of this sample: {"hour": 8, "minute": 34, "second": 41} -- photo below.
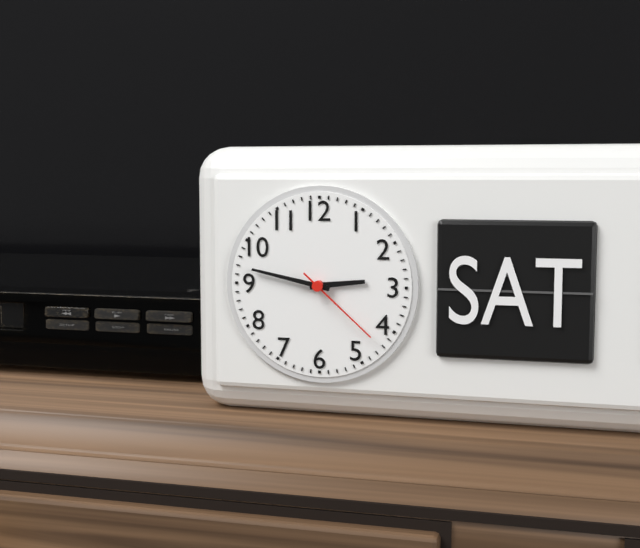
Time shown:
{"hour": 2, "minute": 47, "second": 22}
